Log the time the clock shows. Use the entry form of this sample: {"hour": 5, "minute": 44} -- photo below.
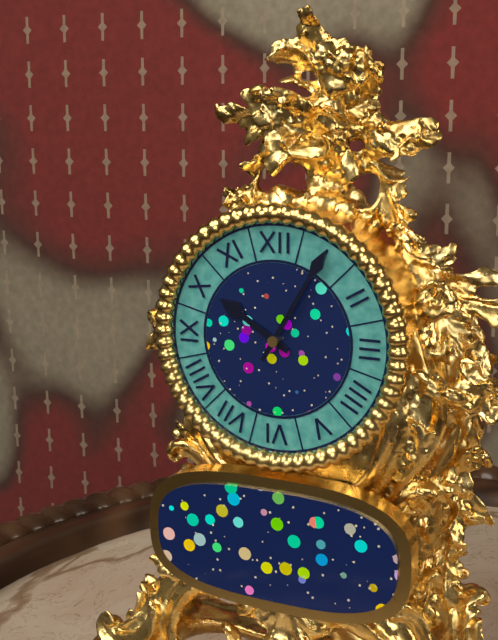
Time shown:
{"hour": 10, "minute": 5}
